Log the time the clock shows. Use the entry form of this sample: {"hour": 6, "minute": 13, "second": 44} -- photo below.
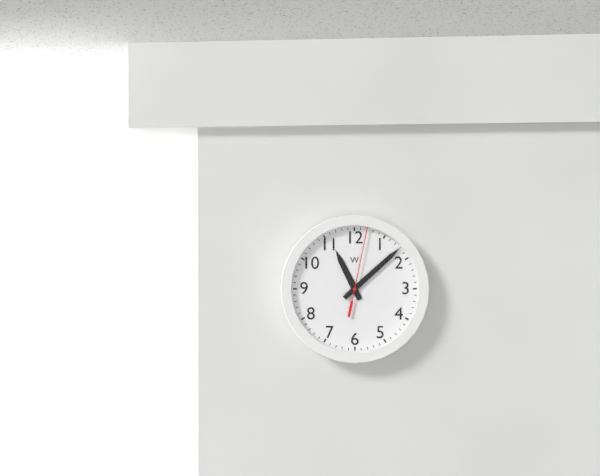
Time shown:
{"hour": 11, "minute": 8, "second": 2}
